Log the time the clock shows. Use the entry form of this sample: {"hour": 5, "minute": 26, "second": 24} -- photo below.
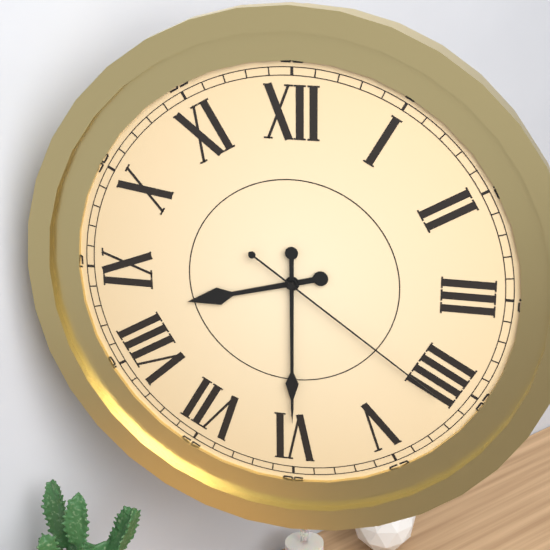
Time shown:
{"hour": 8, "minute": 30, "second": 21}
